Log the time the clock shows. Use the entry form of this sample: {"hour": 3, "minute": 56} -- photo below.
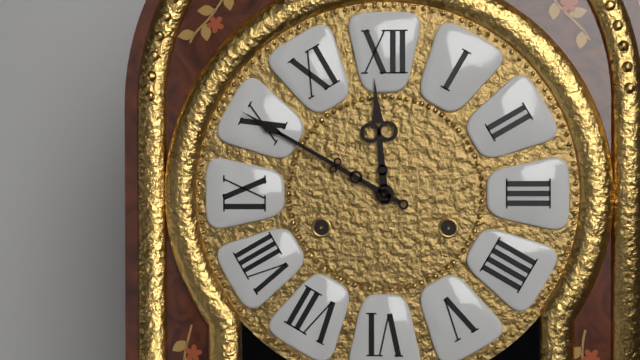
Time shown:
{"hour": 11, "minute": 50}
